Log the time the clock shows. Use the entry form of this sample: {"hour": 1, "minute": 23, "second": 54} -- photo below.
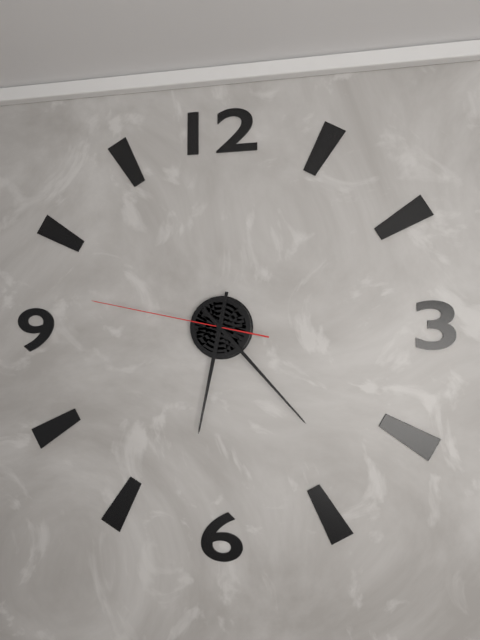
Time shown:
{"hour": 6, "minute": 23, "second": 47}
